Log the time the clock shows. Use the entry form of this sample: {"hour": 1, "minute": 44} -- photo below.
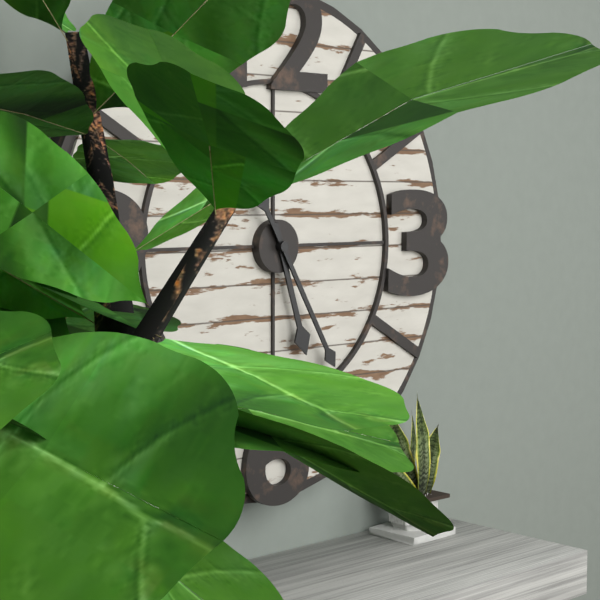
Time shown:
{"hour": 5, "minute": 25}
